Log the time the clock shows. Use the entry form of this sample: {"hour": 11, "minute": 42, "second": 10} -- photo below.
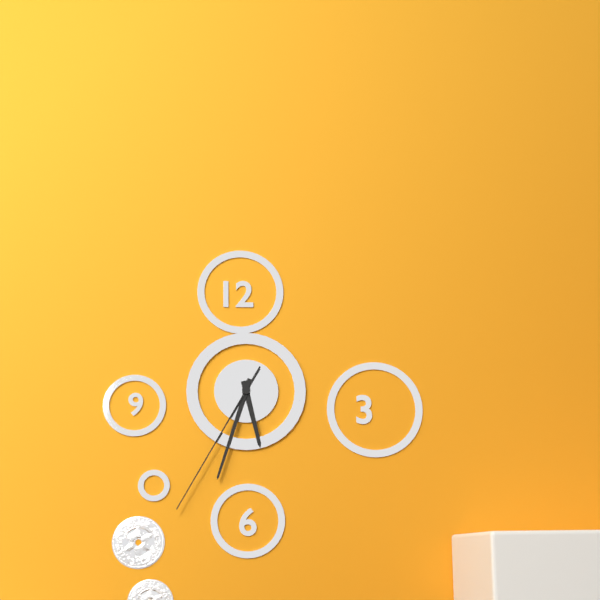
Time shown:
{"hour": 5, "minute": 33, "second": 35}
